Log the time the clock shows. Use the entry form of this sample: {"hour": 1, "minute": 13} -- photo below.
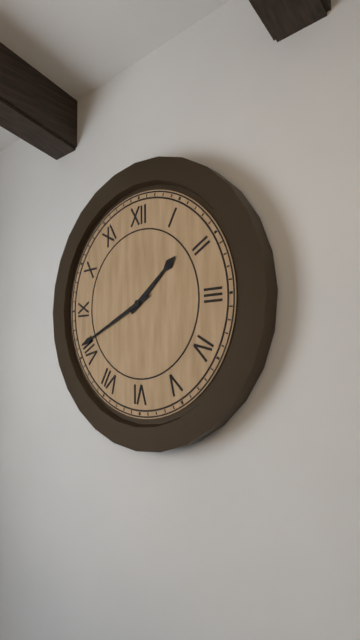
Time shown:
{"hour": 1, "minute": 41}
